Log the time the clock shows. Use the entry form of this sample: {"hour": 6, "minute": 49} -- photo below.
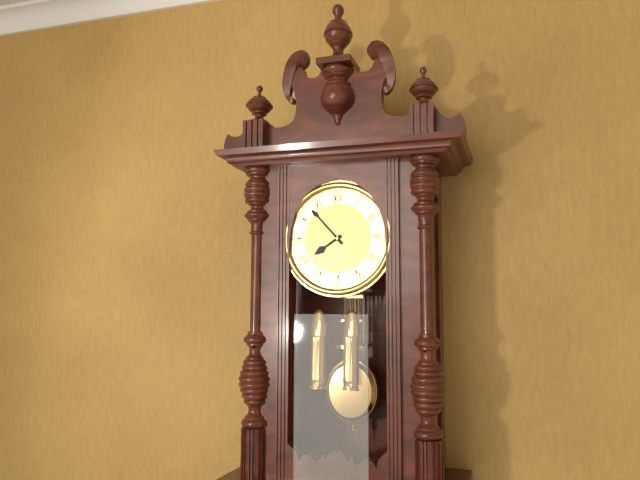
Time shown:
{"hour": 7, "minute": 53}
